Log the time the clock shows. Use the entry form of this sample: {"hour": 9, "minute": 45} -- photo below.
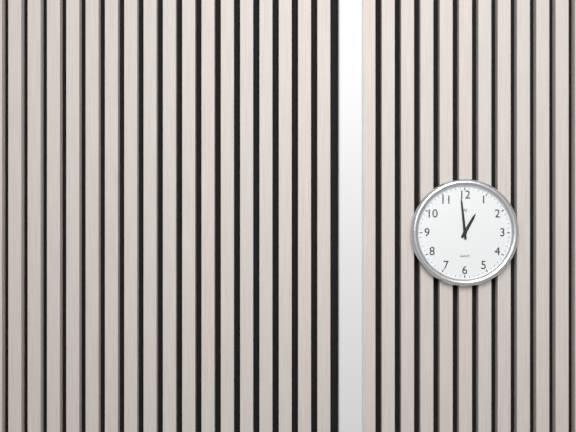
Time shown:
{"hour": 12, "minute": 59}
